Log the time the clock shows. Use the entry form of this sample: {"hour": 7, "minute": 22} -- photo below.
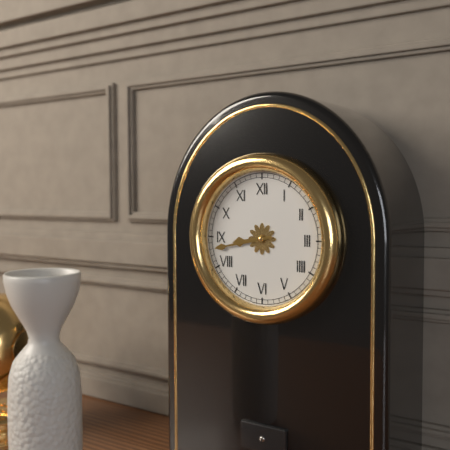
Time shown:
{"hour": 8, "minute": 43}
